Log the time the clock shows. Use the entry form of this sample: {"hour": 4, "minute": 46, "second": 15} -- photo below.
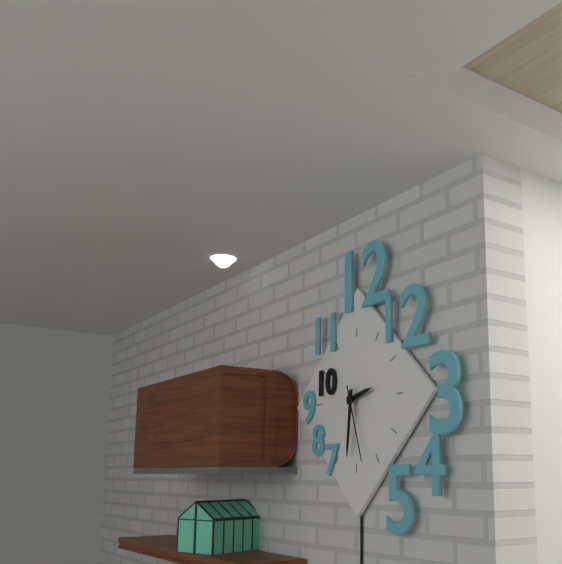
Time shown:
{"hour": 2, "minute": 31, "second": 27}
